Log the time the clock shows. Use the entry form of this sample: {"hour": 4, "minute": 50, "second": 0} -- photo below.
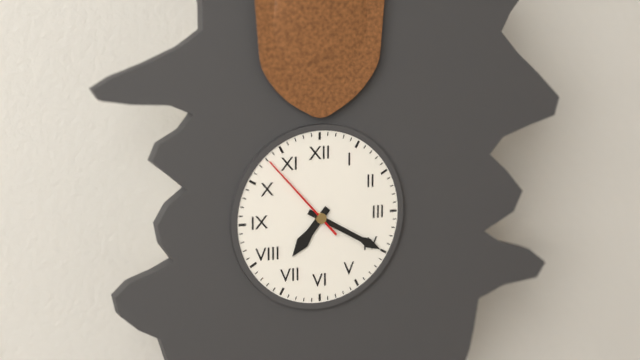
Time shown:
{"hour": 7, "minute": 20, "second": 53}
